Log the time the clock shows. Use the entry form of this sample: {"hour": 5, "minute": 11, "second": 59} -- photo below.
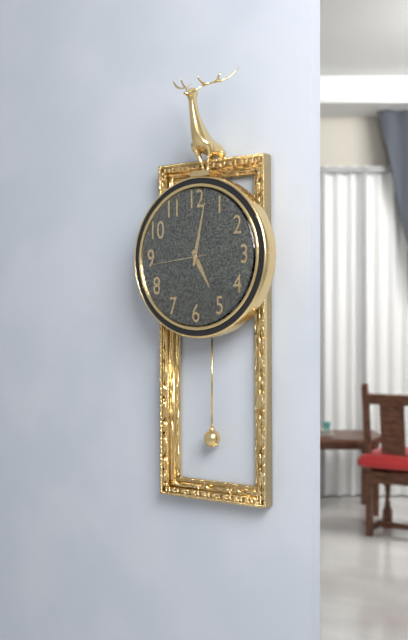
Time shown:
{"hour": 5, "minute": 2, "second": 44}
